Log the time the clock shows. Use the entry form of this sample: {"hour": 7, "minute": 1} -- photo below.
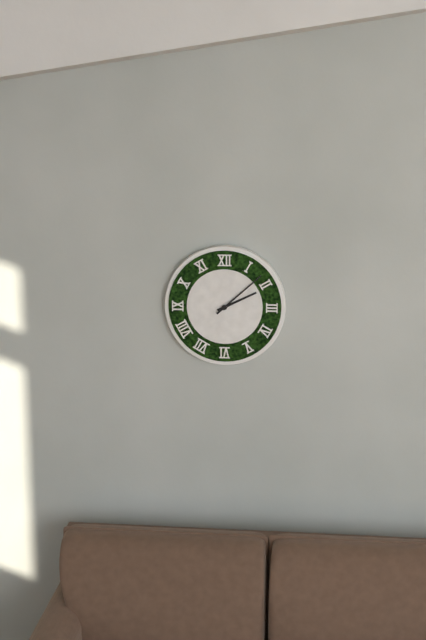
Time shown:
{"hour": 2, "minute": 8}
